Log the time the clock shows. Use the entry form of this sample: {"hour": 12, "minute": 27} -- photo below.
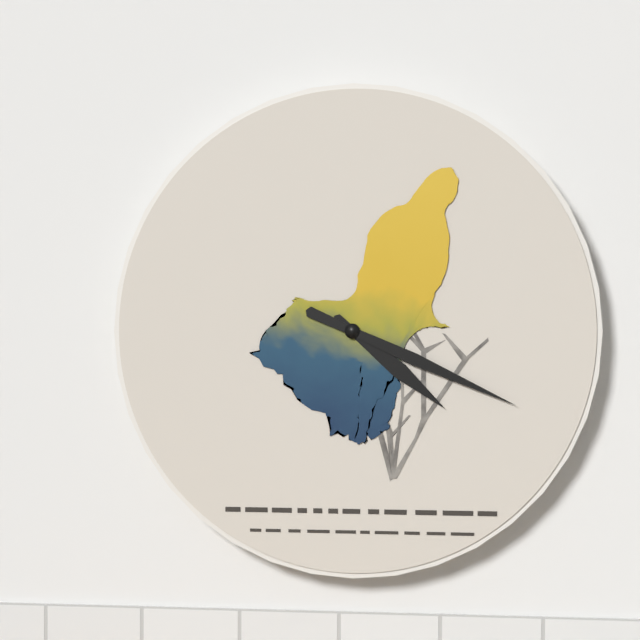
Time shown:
{"hour": 4, "minute": 19}
